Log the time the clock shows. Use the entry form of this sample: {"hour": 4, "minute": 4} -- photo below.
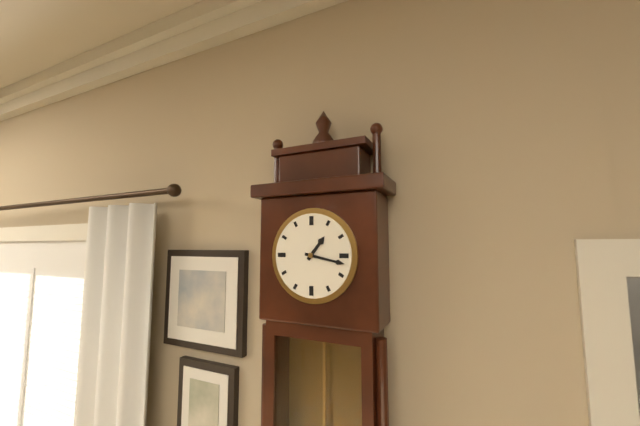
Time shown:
{"hour": 1, "minute": 17}
